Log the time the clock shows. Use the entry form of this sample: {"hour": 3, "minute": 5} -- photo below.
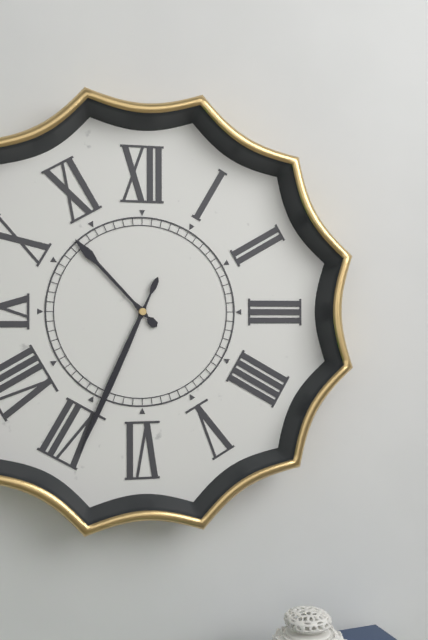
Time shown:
{"hour": 10, "minute": 34}
